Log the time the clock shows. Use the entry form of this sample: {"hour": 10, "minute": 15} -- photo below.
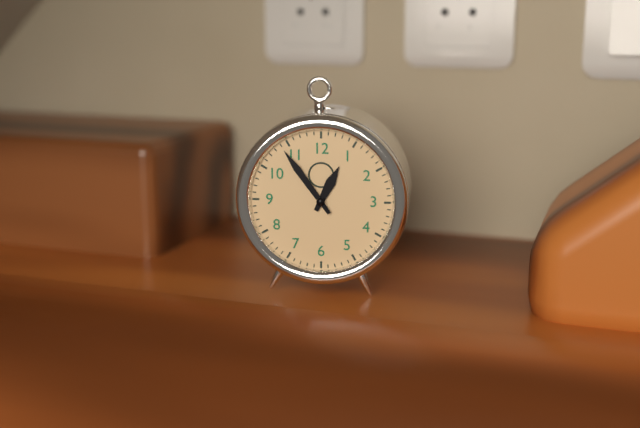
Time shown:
{"hour": 12, "minute": 54}
